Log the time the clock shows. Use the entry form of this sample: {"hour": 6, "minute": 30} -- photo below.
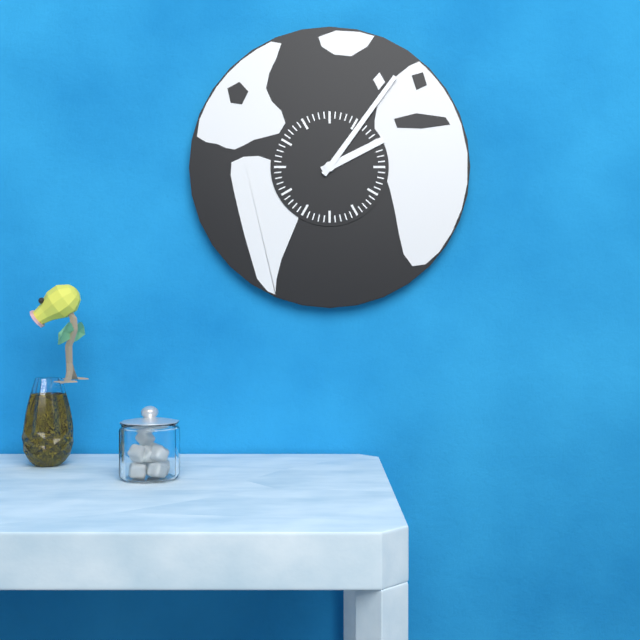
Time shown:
{"hour": 2, "minute": 6}
